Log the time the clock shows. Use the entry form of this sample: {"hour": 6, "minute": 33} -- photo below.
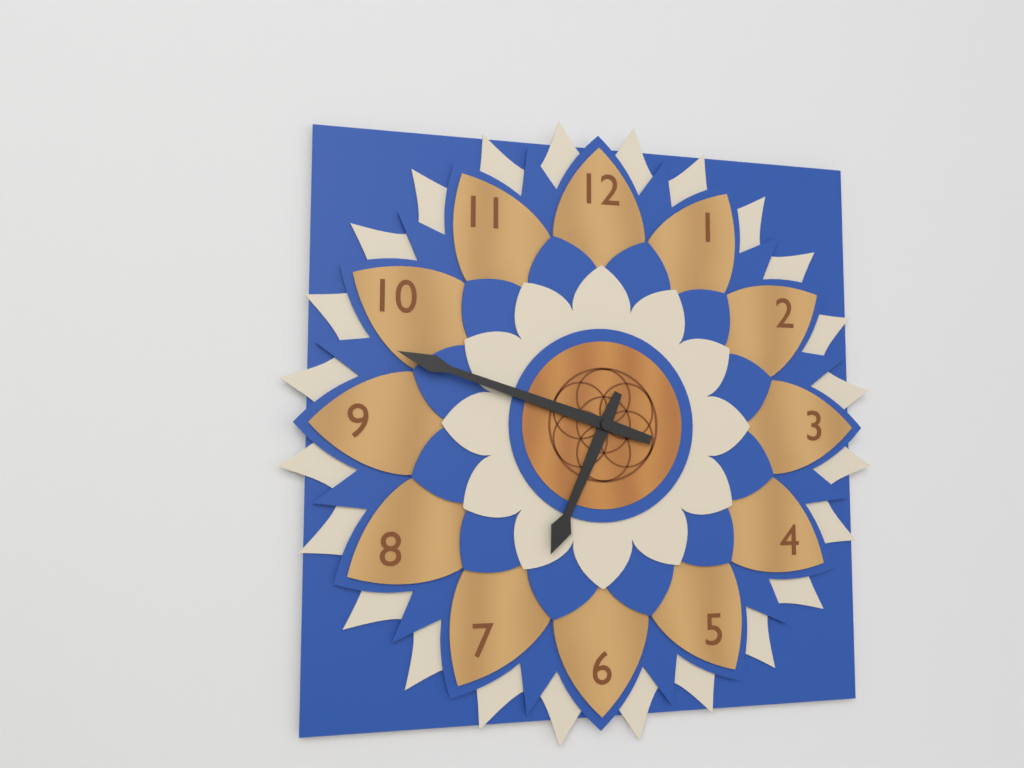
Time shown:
{"hour": 6, "minute": 48}
